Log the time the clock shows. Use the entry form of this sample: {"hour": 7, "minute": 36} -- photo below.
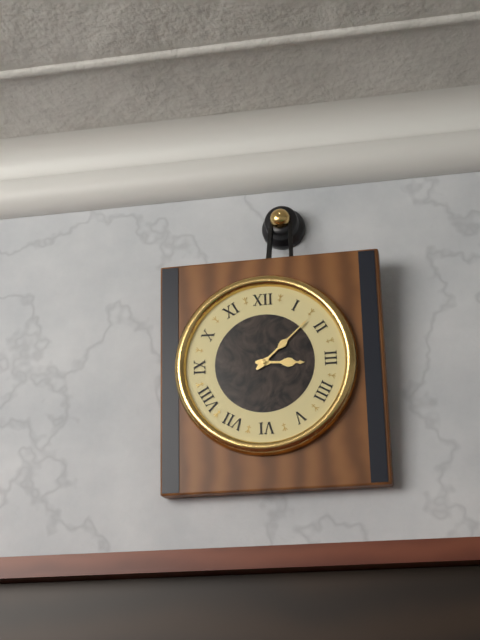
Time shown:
{"hour": 3, "minute": 8}
